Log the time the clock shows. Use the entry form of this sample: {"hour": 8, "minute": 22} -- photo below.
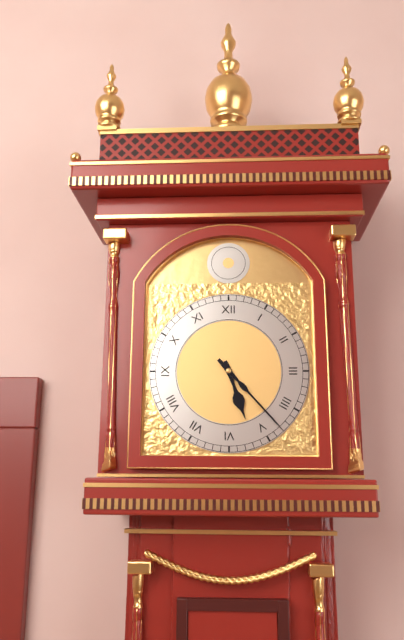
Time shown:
{"hour": 5, "minute": 23}
